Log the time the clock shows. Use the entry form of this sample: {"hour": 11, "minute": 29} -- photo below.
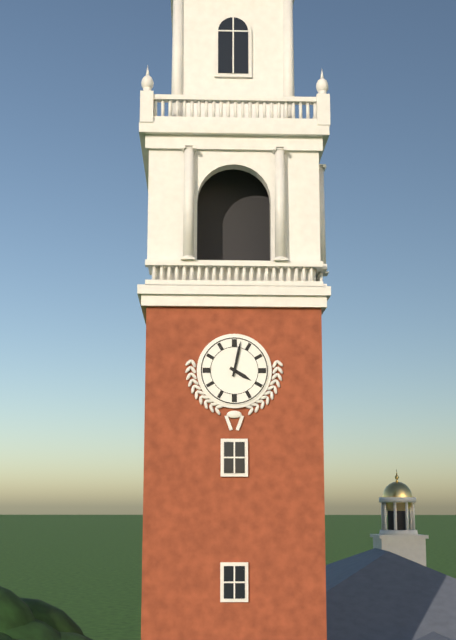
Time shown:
{"hour": 4, "minute": 2}
